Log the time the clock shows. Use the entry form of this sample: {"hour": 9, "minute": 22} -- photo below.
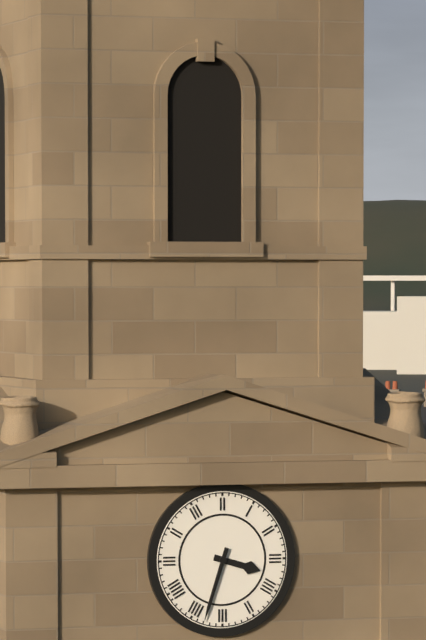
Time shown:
{"hour": 3, "minute": 33}
